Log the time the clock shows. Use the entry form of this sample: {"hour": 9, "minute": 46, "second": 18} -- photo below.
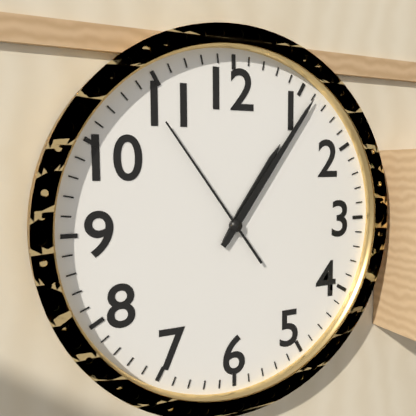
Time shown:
{"hour": 1, "minute": 6, "second": 54}
